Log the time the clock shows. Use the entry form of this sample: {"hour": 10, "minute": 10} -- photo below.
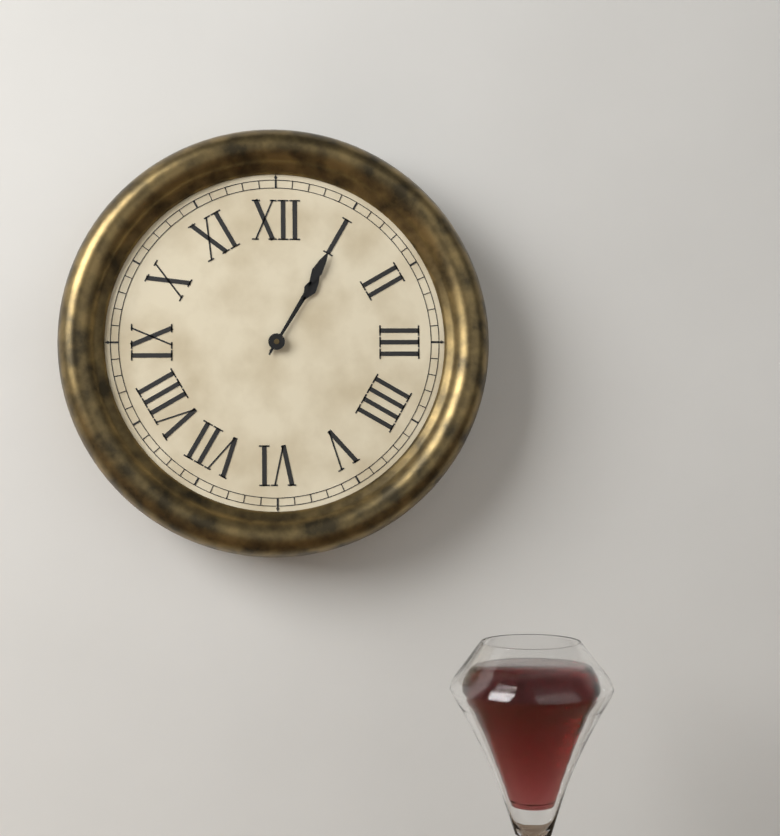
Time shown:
{"hour": 1, "minute": 5}
